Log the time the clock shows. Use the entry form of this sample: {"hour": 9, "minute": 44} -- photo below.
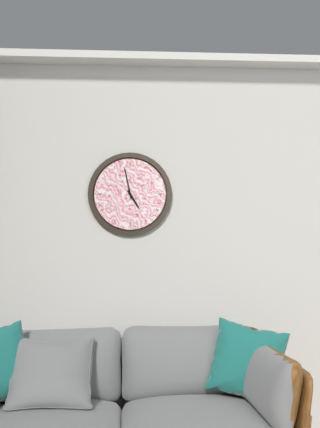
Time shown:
{"hour": 4, "minute": 58}
